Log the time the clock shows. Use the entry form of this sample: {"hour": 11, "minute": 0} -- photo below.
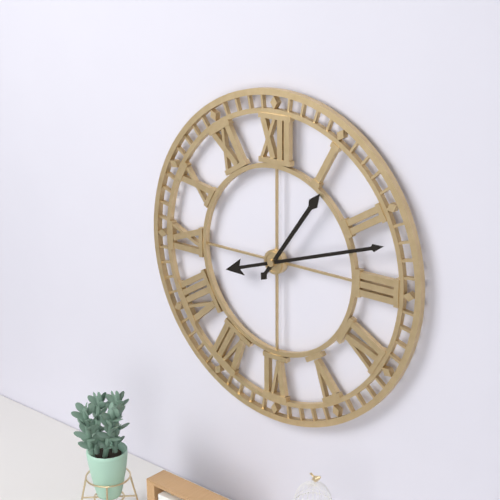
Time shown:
{"hour": 1, "minute": 12}
